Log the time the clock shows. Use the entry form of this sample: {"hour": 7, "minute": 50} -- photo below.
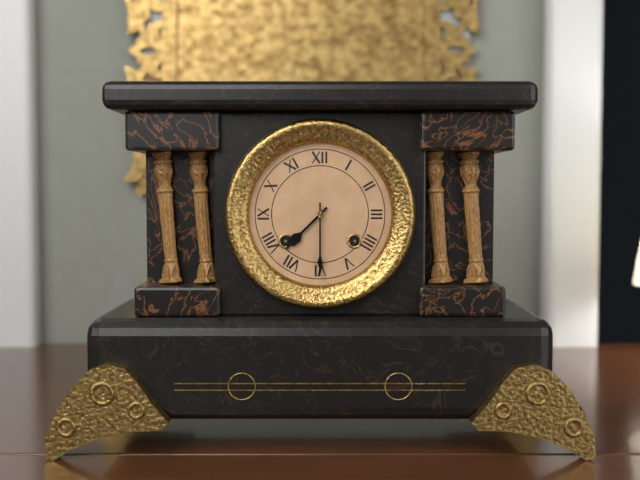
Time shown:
{"hour": 7, "minute": 30}
